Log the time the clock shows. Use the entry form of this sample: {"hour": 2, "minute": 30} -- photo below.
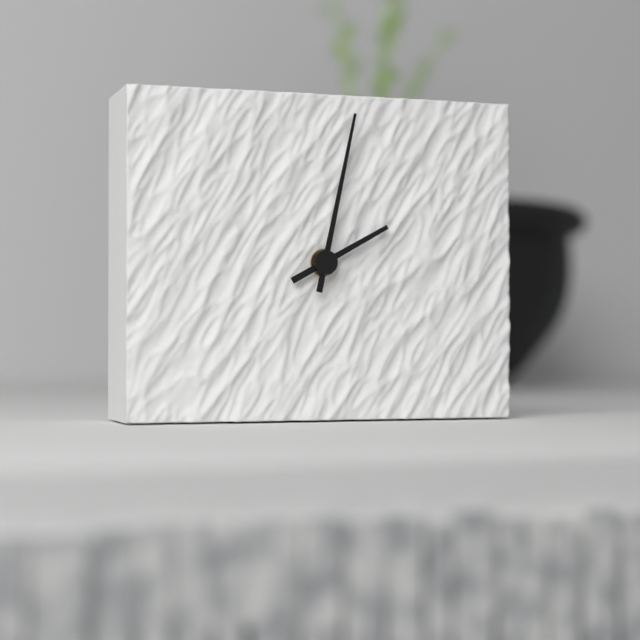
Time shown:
{"hour": 2, "minute": 2}
